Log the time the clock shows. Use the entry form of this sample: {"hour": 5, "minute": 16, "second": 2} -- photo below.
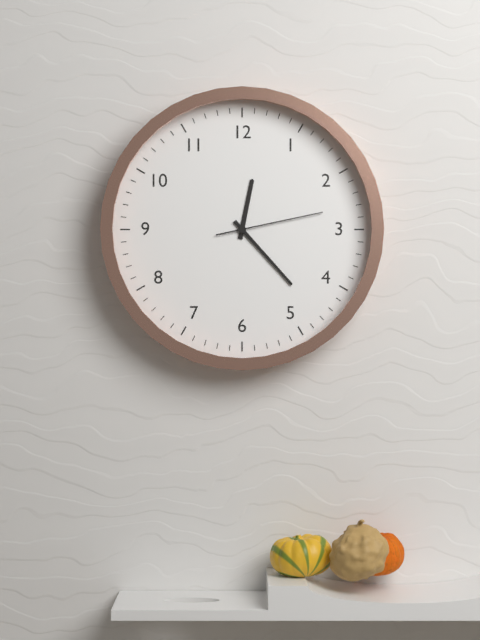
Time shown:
{"hour": 12, "minute": 23, "second": 13}
